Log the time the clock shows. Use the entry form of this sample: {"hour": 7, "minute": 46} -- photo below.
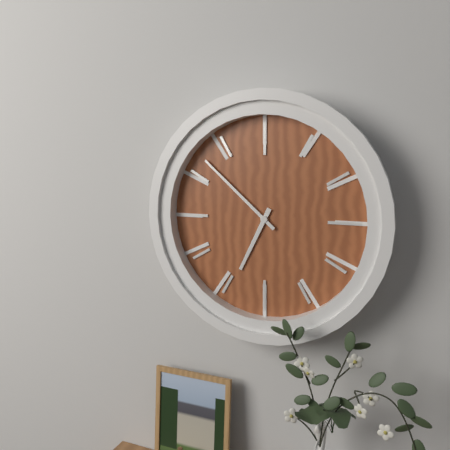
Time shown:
{"hour": 6, "minute": 52}
